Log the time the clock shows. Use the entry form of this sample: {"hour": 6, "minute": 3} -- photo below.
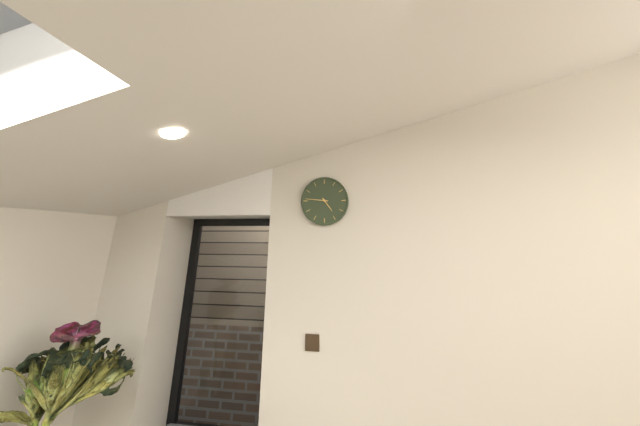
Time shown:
{"hour": 4, "minute": 46}
